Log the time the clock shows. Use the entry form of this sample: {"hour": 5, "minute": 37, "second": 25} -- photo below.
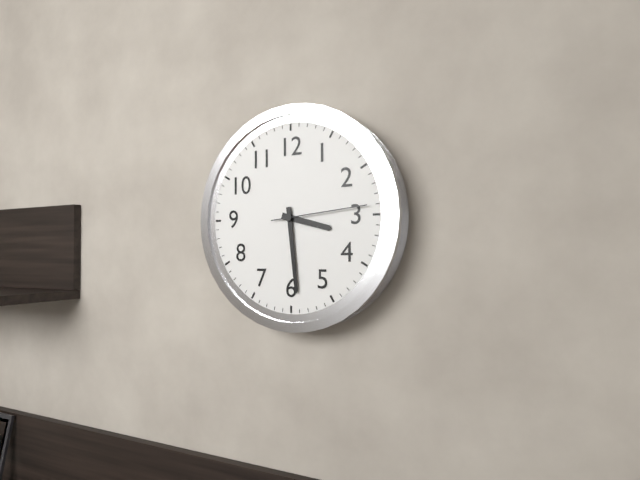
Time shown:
{"hour": 3, "minute": 29, "second": 14}
